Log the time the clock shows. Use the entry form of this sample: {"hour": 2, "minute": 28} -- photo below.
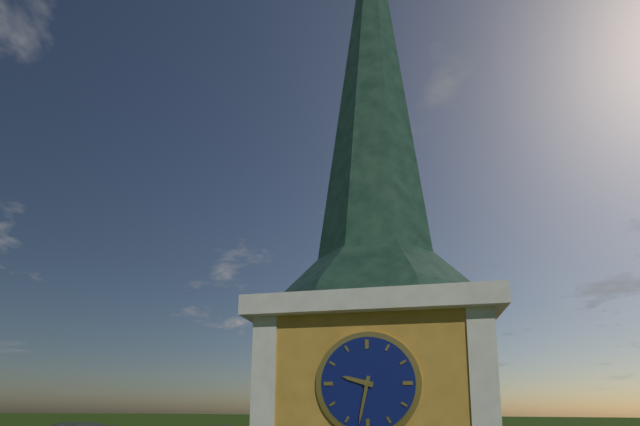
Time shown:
{"hour": 9, "minute": 32}
